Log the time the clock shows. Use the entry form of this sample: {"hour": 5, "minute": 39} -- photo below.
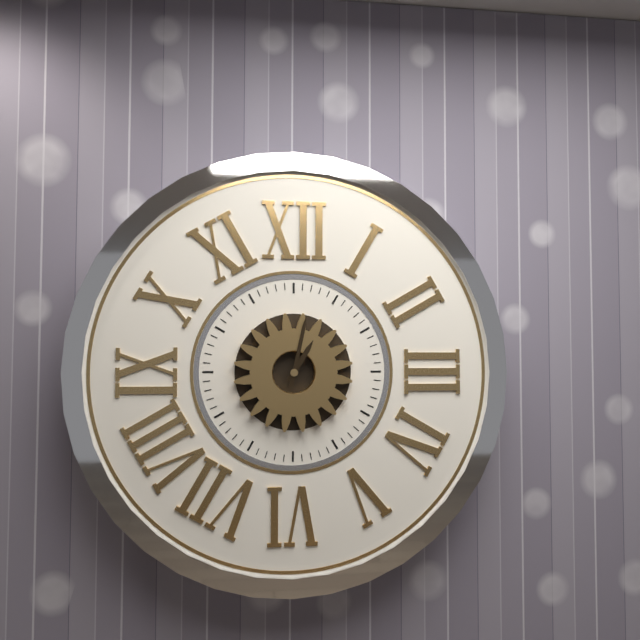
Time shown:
{"hour": 1, "minute": 2}
